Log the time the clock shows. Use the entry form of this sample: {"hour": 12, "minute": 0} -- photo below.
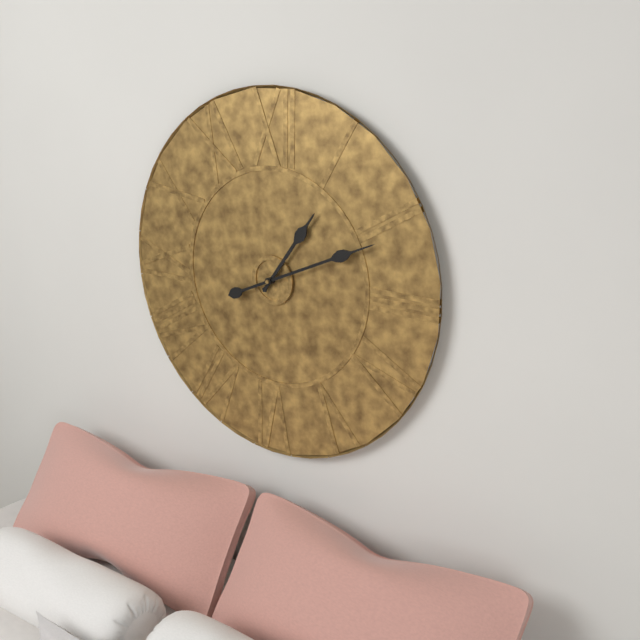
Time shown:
{"hour": 1, "minute": 11}
